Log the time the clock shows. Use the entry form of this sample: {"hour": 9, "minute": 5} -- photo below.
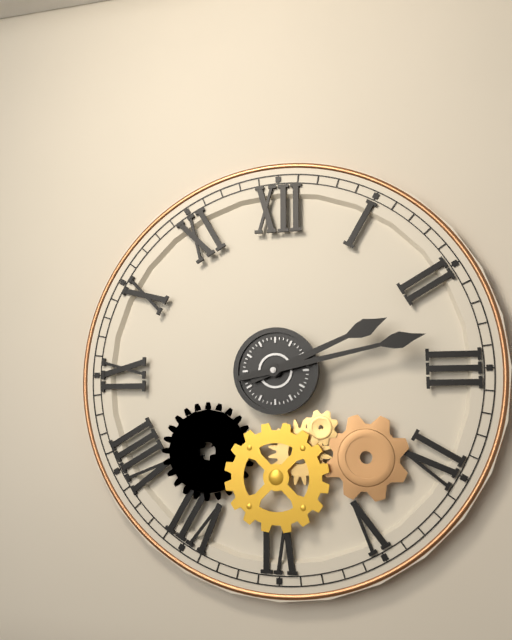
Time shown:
{"hour": 2, "minute": 13}
